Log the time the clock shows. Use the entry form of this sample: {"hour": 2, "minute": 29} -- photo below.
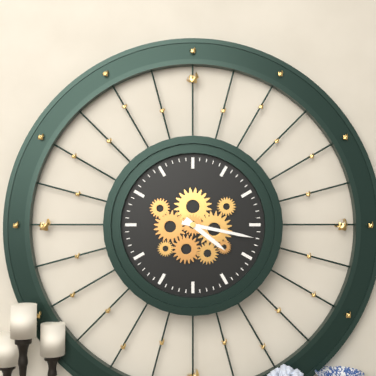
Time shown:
{"hour": 4, "minute": 17}
